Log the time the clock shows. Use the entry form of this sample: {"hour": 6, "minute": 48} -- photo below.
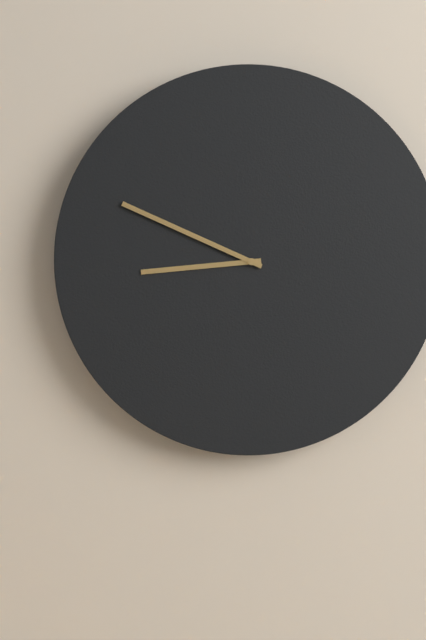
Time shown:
{"hour": 8, "minute": 49}
